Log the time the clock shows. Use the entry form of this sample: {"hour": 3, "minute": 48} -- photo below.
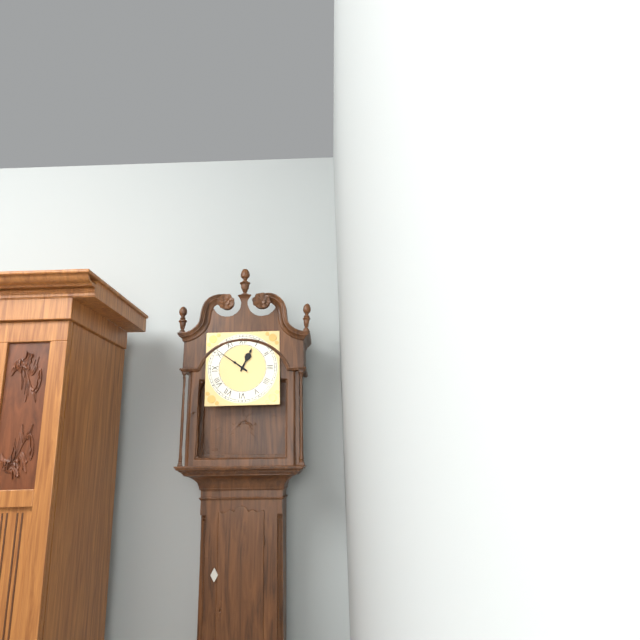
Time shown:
{"hour": 12, "minute": 51}
